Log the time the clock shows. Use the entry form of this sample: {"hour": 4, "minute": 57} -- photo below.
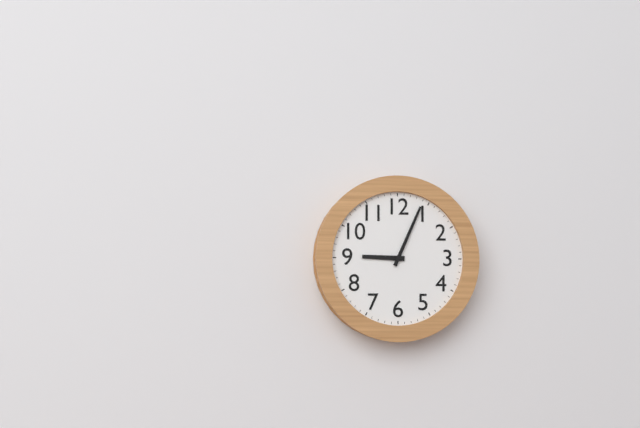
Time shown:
{"hour": 9, "minute": 4}
